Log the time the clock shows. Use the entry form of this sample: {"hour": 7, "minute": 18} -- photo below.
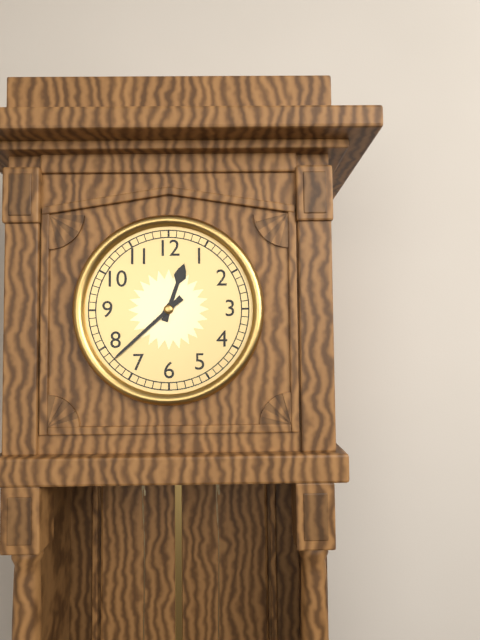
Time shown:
{"hour": 12, "minute": 38}
